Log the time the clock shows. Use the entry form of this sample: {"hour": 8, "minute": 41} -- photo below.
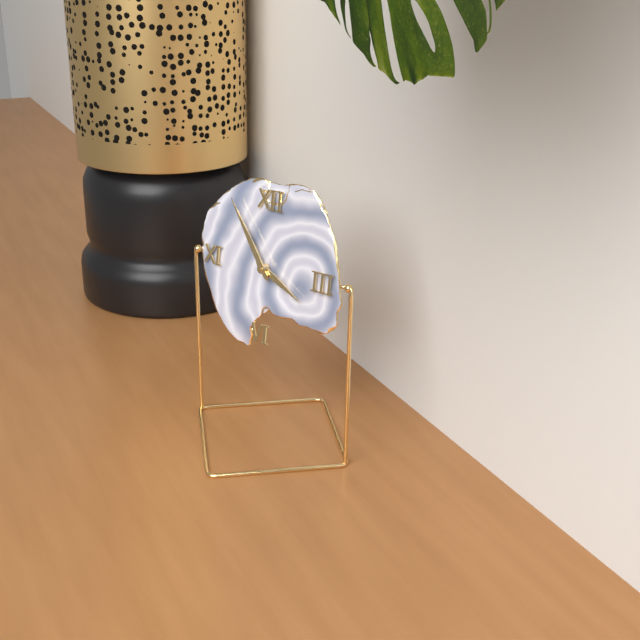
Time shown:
{"hour": 3, "minute": 54}
